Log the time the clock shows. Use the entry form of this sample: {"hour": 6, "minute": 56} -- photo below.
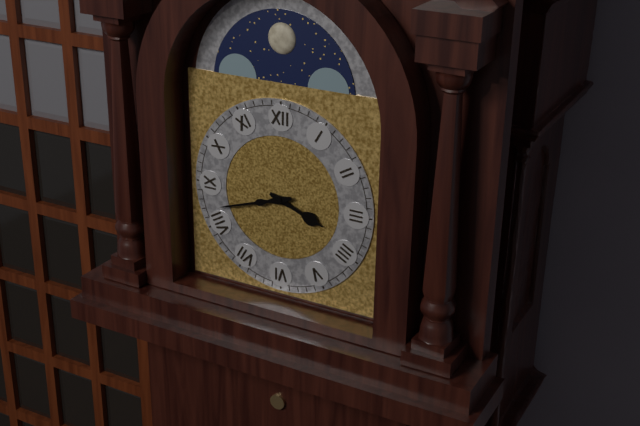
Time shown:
{"hour": 3, "minute": 42}
